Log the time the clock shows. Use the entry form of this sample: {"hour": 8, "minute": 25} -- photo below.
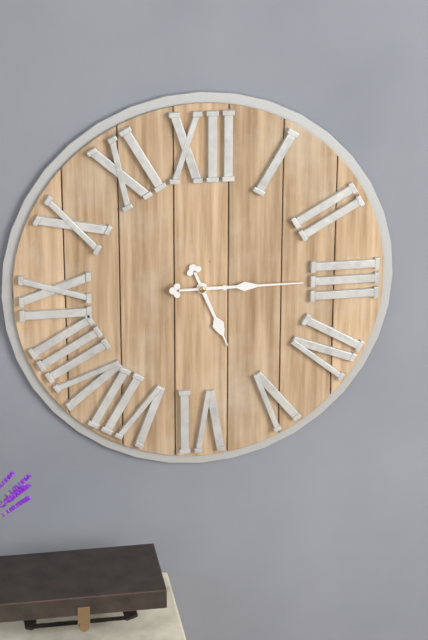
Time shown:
{"hour": 5, "minute": 15}
